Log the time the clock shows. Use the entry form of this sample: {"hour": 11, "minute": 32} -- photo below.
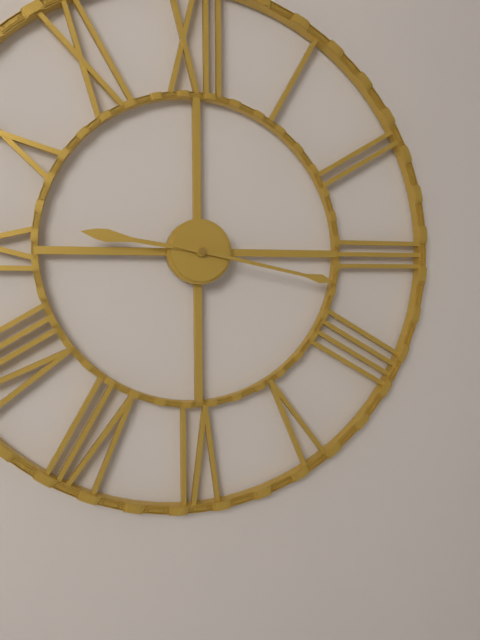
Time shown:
{"hour": 9, "minute": 17}
